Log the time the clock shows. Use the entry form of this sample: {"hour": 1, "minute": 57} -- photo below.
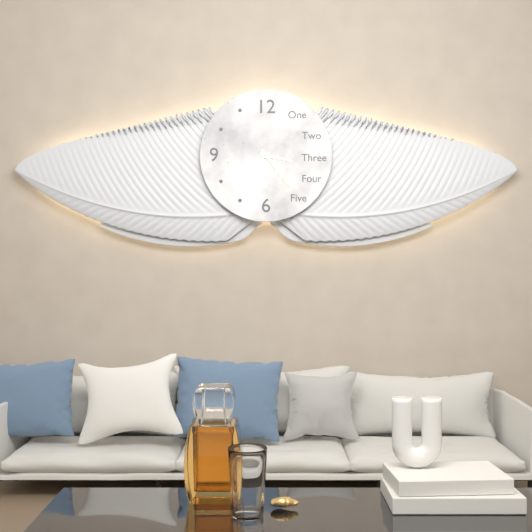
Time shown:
{"hour": 3, "minute": 24}
